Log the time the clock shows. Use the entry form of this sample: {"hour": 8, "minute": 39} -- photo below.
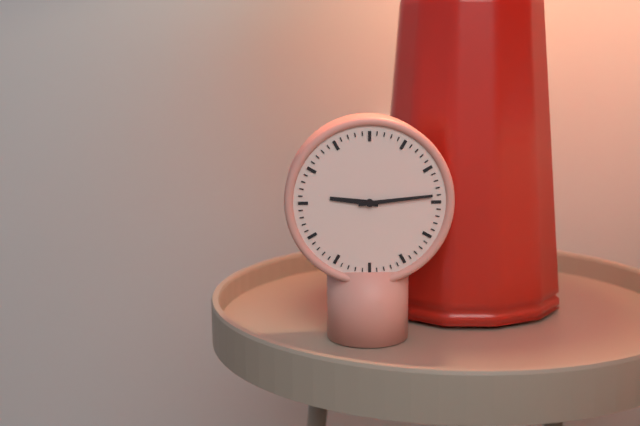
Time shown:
{"hour": 9, "minute": 14}
